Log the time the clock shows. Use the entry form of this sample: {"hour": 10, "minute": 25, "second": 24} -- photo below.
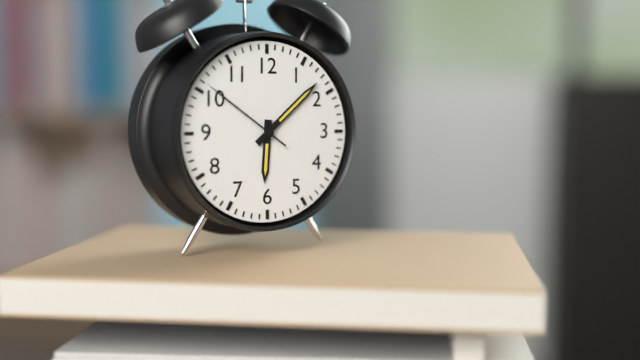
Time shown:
{"hour": 6, "minute": 8, "second": 51}
